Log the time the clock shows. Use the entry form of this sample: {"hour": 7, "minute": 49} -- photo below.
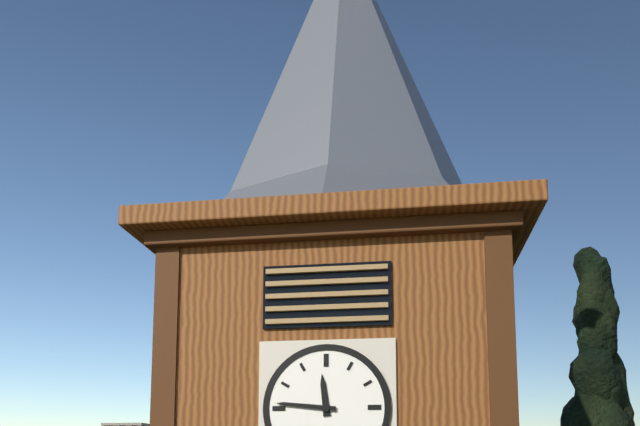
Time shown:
{"hour": 11, "minute": 46}
